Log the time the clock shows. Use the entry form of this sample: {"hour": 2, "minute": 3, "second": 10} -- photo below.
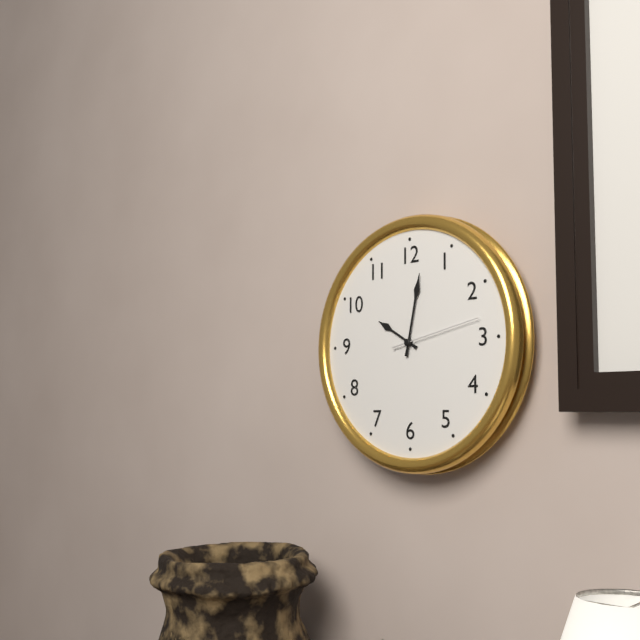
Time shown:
{"hour": 10, "minute": 2, "second": 13}
